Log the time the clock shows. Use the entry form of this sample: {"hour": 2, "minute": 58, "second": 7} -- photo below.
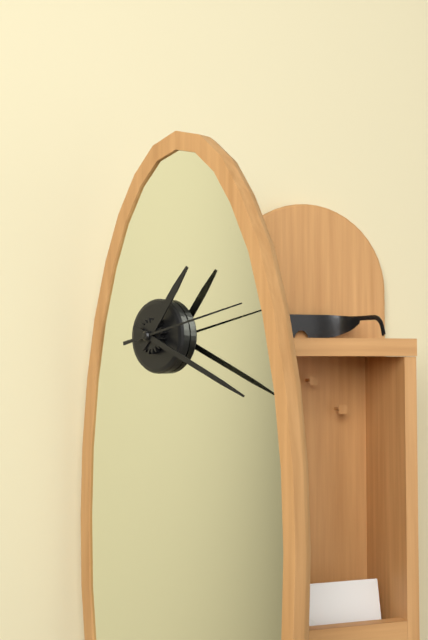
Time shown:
{"hour": 1, "minute": 19, "second": 13}
